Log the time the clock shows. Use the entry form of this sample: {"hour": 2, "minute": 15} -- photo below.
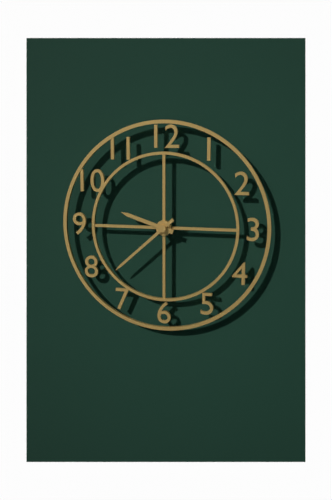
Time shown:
{"hour": 9, "minute": 38}
